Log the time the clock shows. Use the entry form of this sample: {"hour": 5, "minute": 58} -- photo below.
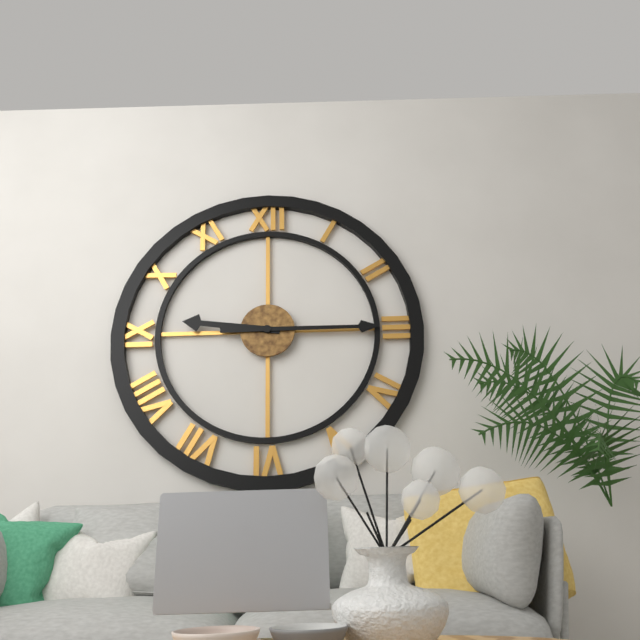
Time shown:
{"hour": 9, "minute": 15}
